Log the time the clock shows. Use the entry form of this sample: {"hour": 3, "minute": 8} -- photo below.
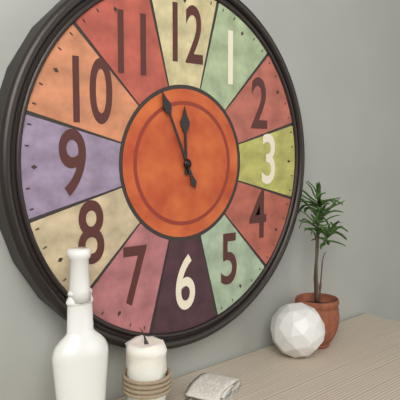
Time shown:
{"hour": 11, "minute": 56}
